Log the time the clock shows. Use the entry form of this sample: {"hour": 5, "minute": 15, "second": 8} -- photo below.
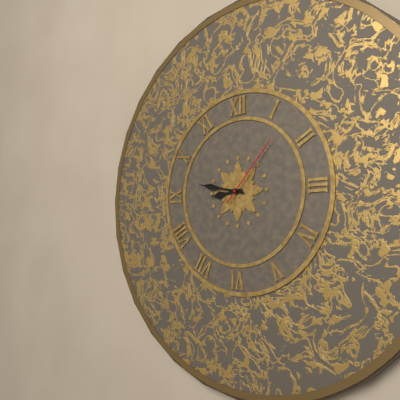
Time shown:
{"hour": 8, "minute": 47, "second": 7}
